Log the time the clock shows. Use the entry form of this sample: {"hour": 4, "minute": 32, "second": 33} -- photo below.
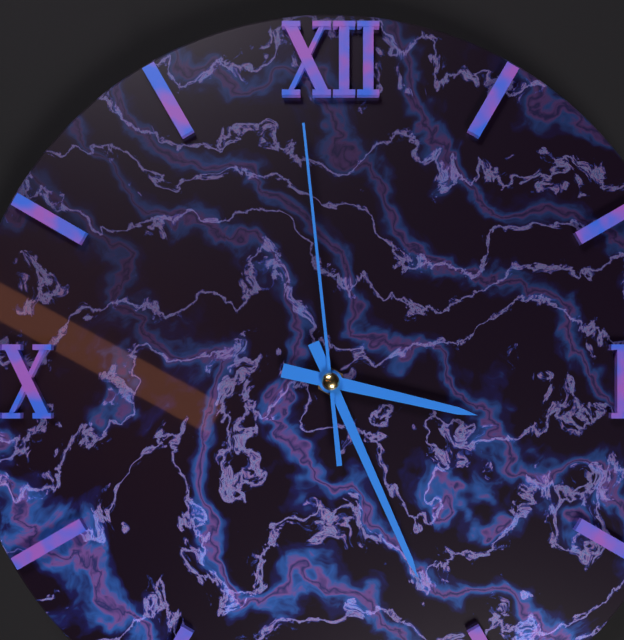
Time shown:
{"hour": 3, "minute": 26, "second": 59}
